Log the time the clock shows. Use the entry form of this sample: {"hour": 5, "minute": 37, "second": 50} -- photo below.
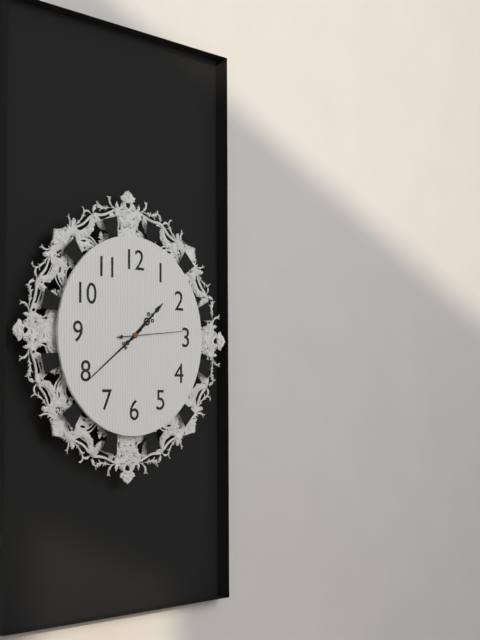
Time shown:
{"hour": 1, "minute": 39, "second": 14}
